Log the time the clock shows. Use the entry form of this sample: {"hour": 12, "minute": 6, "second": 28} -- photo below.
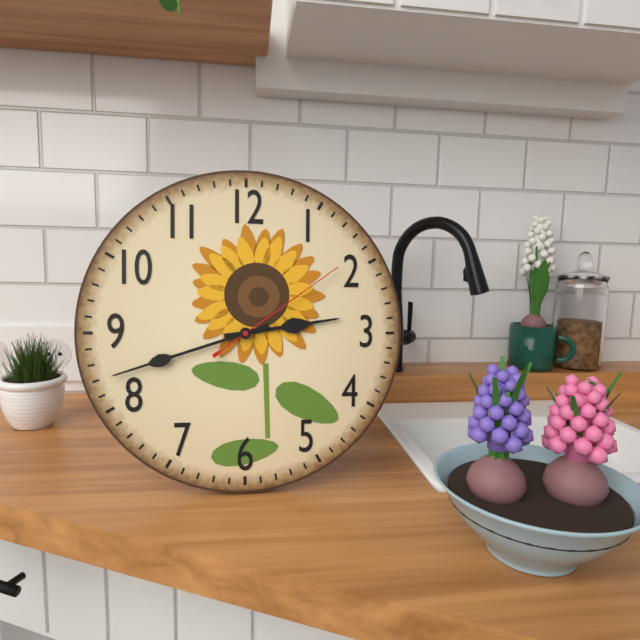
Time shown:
{"hour": 2, "minute": 42, "second": 9}
